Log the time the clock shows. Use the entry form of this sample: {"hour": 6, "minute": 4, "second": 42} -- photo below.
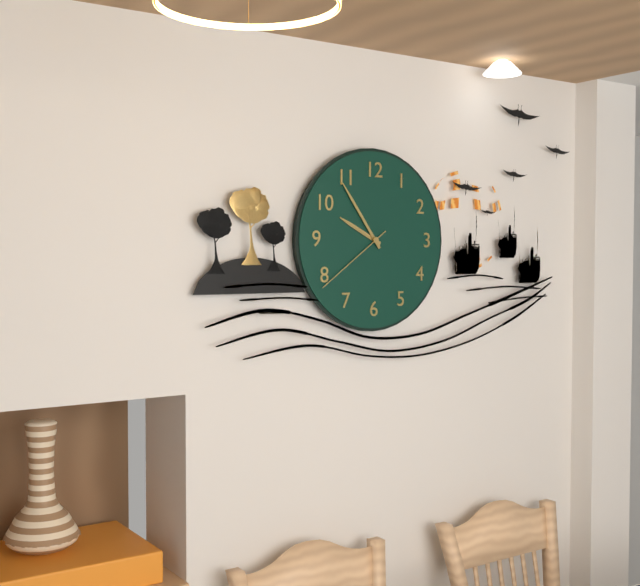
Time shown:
{"hour": 9, "minute": 54, "second": 39}
